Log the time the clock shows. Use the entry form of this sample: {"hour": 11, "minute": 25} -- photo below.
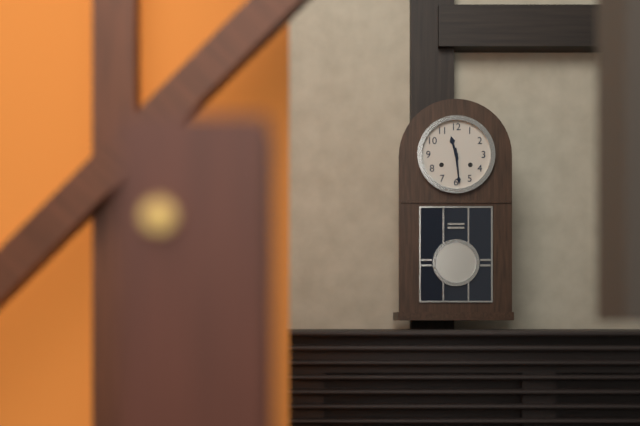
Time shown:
{"hour": 11, "minute": 29}
